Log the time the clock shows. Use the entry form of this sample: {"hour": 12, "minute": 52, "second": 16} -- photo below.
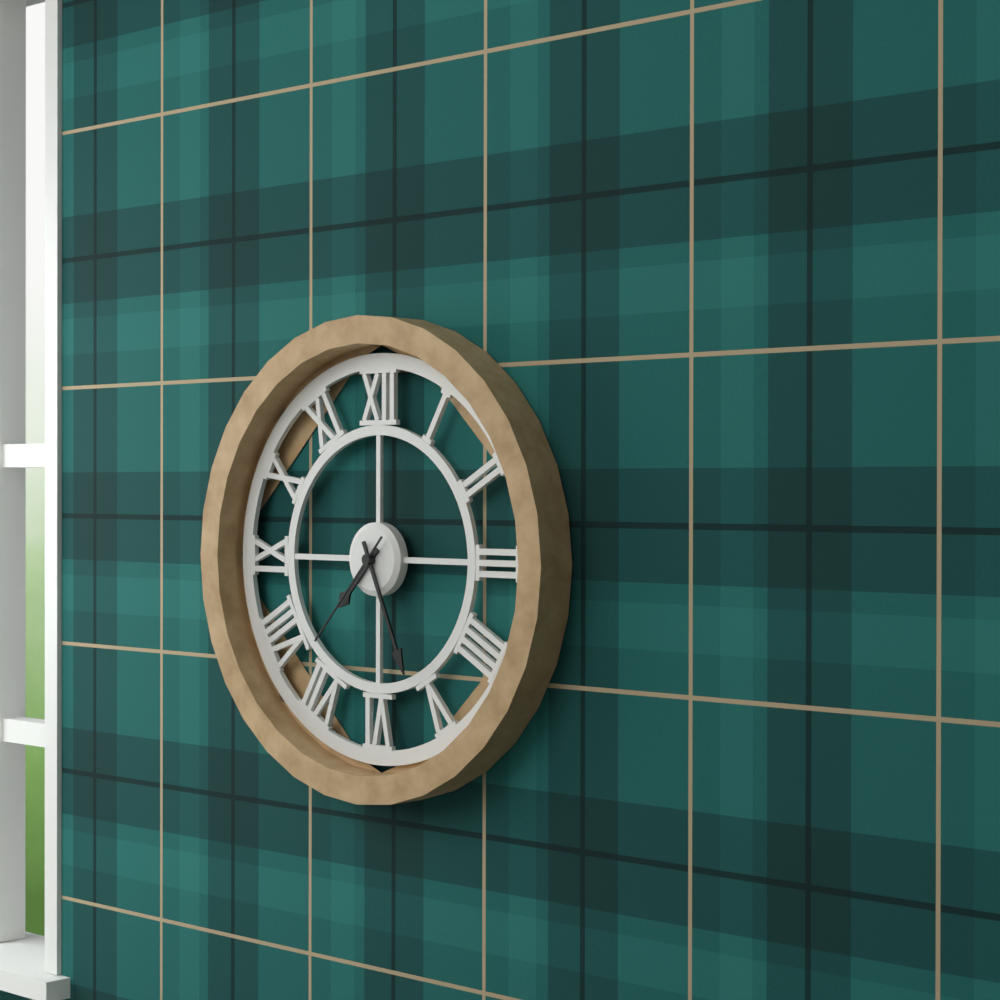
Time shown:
{"hour": 7, "minute": 26, "second": 37}
